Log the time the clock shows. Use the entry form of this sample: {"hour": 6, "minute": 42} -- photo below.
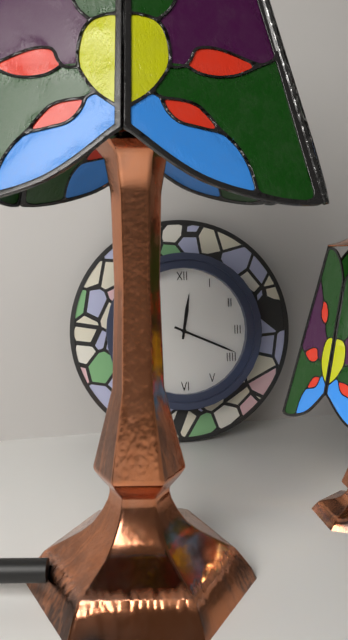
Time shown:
{"hour": 12, "minute": 19}
